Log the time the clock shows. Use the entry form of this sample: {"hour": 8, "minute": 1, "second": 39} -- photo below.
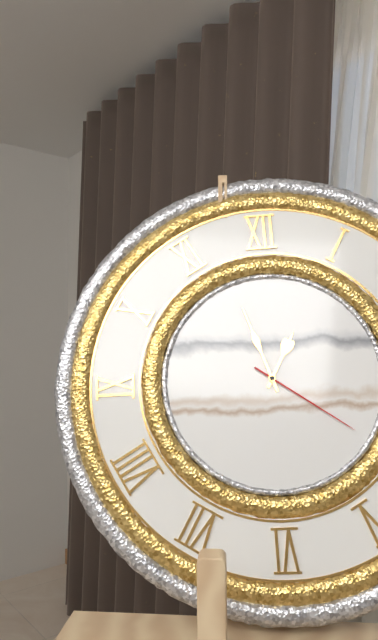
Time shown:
{"hour": 12, "minute": 57, "second": 21}
